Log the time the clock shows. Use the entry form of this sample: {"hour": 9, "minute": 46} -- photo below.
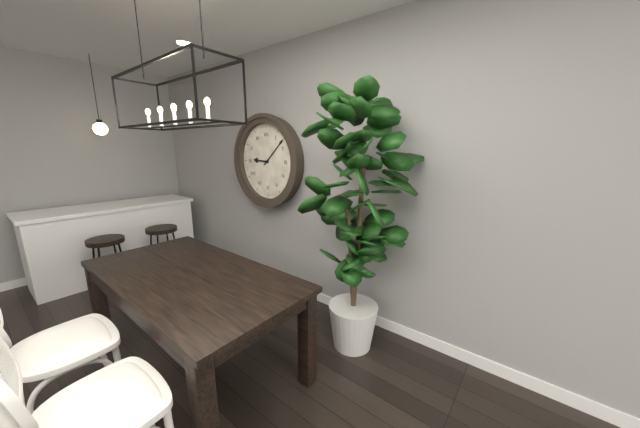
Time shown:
{"hour": 9, "minute": 8}
